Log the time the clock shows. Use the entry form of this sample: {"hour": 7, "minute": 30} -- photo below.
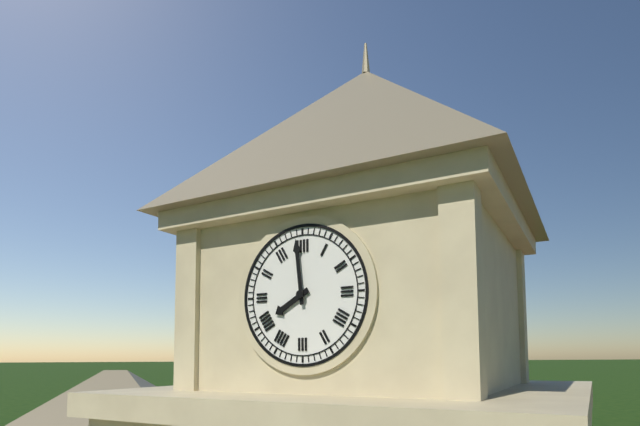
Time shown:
{"hour": 7, "minute": 59}
